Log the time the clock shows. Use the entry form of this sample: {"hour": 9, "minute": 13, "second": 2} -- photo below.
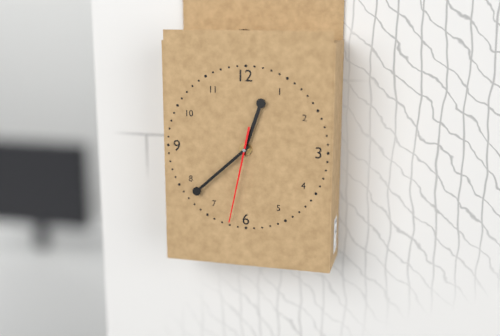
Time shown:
{"hour": 12, "minute": 38, "second": 32}
